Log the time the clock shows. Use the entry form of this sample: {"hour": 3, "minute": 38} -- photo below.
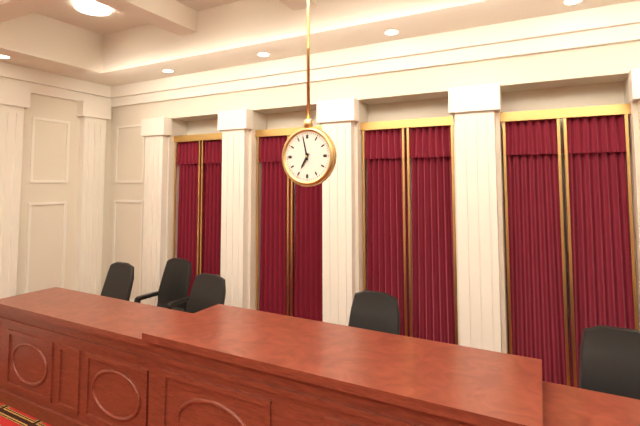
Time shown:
{"hour": 6, "minute": 58}
